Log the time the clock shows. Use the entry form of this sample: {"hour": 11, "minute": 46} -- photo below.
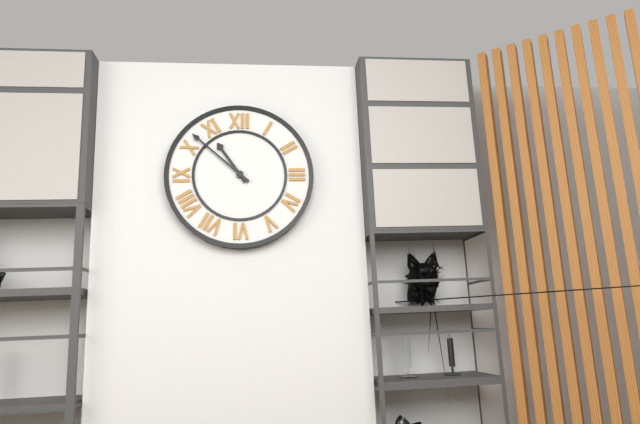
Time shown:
{"hour": 10, "minute": 52}
